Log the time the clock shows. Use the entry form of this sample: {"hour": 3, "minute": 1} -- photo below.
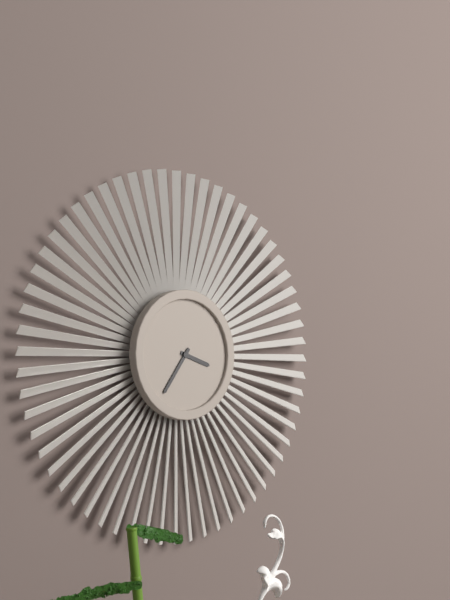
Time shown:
{"hour": 3, "minute": 36}
